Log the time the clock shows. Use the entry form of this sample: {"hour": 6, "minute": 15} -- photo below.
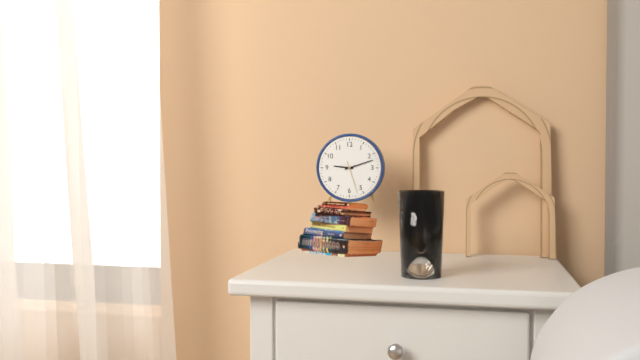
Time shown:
{"hour": 9, "minute": 12}
